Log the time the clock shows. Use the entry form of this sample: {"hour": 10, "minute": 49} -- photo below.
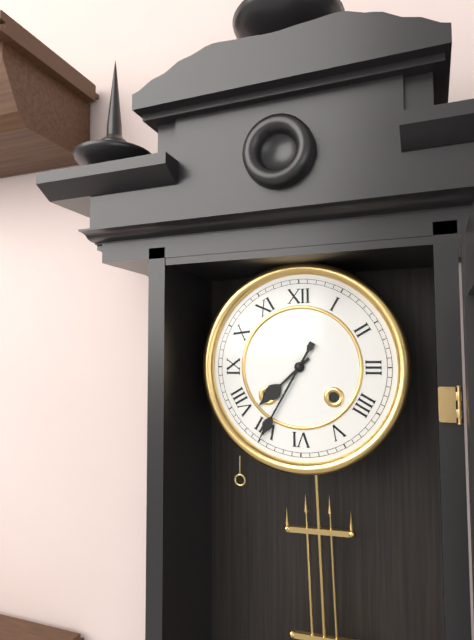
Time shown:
{"hour": 7, "minute": 35}
